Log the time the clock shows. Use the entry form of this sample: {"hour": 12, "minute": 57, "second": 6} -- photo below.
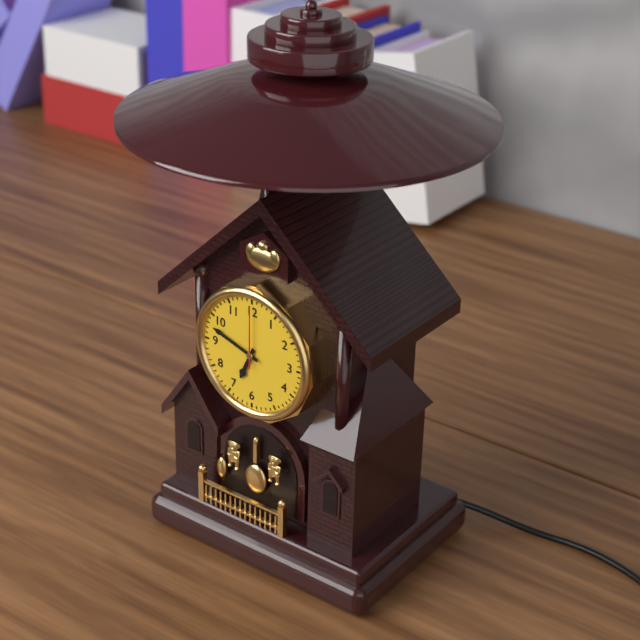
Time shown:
{"hour": 6, "minute": 48, "second": 0}
